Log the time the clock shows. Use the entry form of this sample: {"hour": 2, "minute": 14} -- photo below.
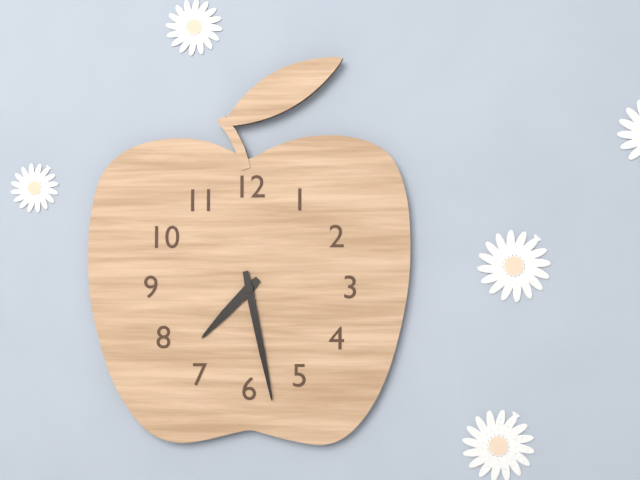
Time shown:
{"hour": 7, "minute": 28}
